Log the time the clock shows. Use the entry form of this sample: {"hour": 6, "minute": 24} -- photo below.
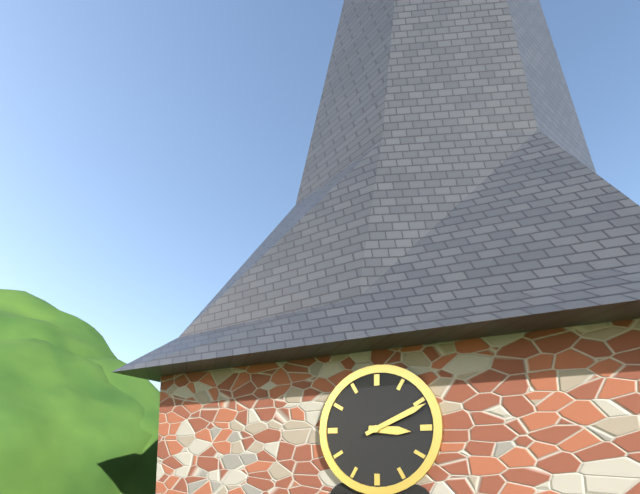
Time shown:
{"hour": 3, "minute": 11}
